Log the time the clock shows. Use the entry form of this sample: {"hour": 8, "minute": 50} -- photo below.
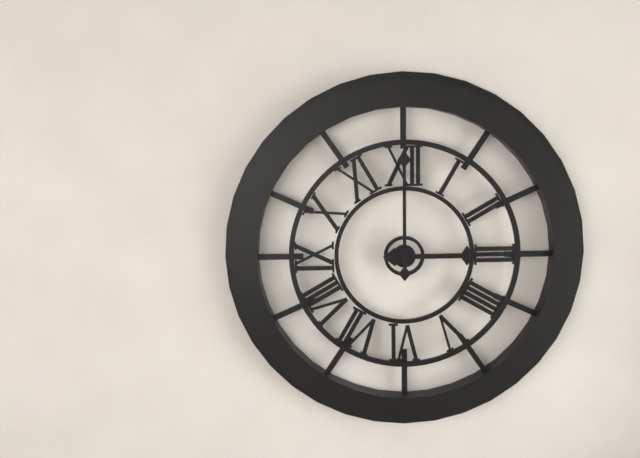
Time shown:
{"hour": 3, "minute": 0}
